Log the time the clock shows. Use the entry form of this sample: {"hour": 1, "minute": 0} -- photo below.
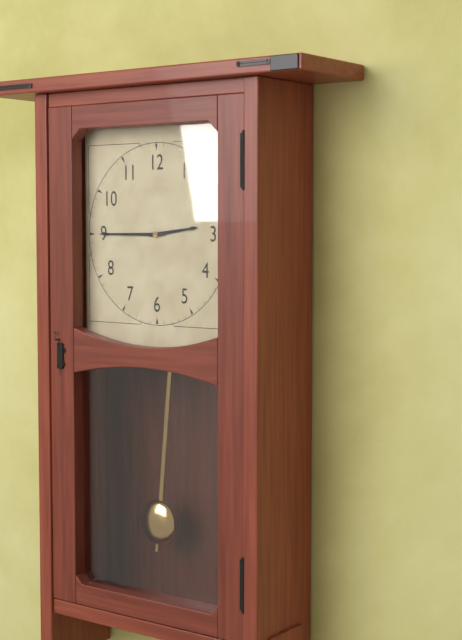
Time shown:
{"hour": 2, "minute": 45}
